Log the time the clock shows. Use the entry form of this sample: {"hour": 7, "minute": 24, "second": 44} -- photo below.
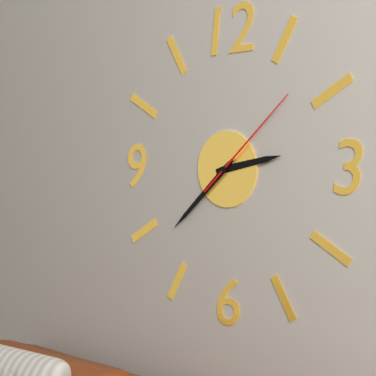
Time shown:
{"hour": 2, "minute": 38, "second": 8}
